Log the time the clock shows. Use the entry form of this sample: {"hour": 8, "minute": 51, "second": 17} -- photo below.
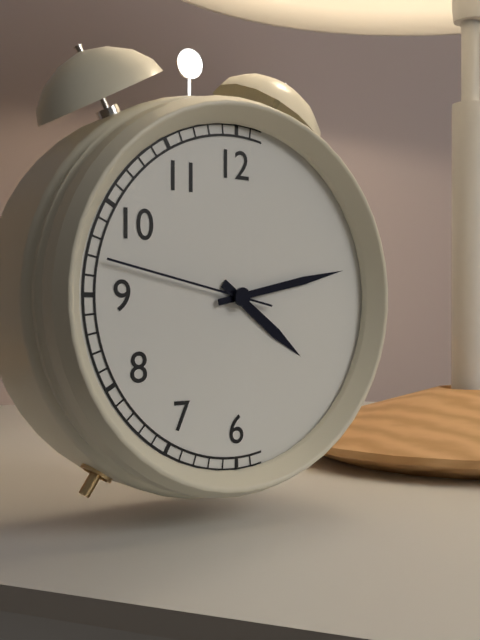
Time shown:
{"hour": 4, "minute": 13, "second": 47}
